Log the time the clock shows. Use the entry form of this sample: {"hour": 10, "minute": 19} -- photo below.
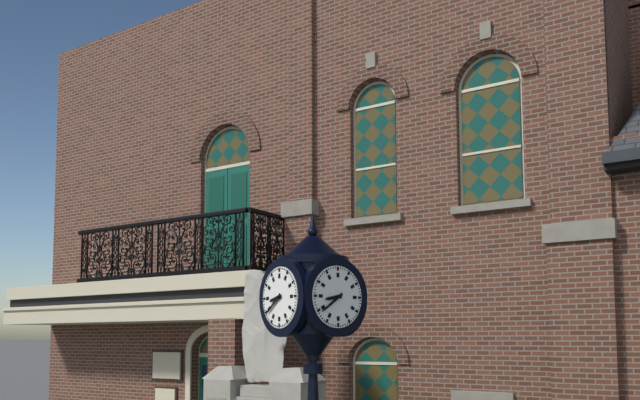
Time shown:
{"hour": 8, "minute": 39}
